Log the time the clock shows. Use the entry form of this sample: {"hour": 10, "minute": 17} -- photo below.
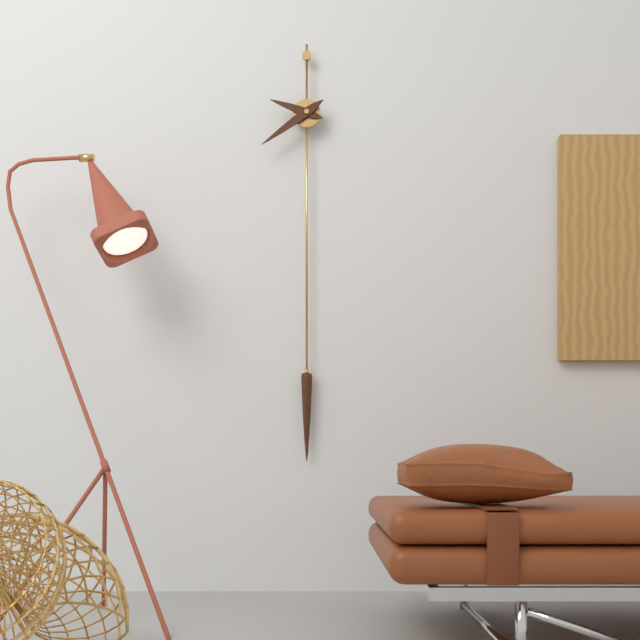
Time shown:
{"hour": 9, "minute": 39}
